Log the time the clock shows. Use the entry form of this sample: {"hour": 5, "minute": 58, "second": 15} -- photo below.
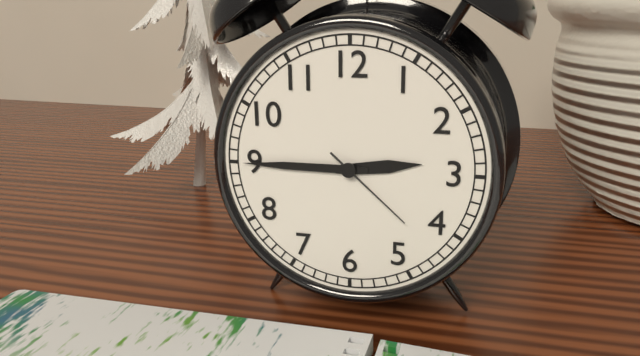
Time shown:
{"hour": 2, "minute": 45, "second": 22}
